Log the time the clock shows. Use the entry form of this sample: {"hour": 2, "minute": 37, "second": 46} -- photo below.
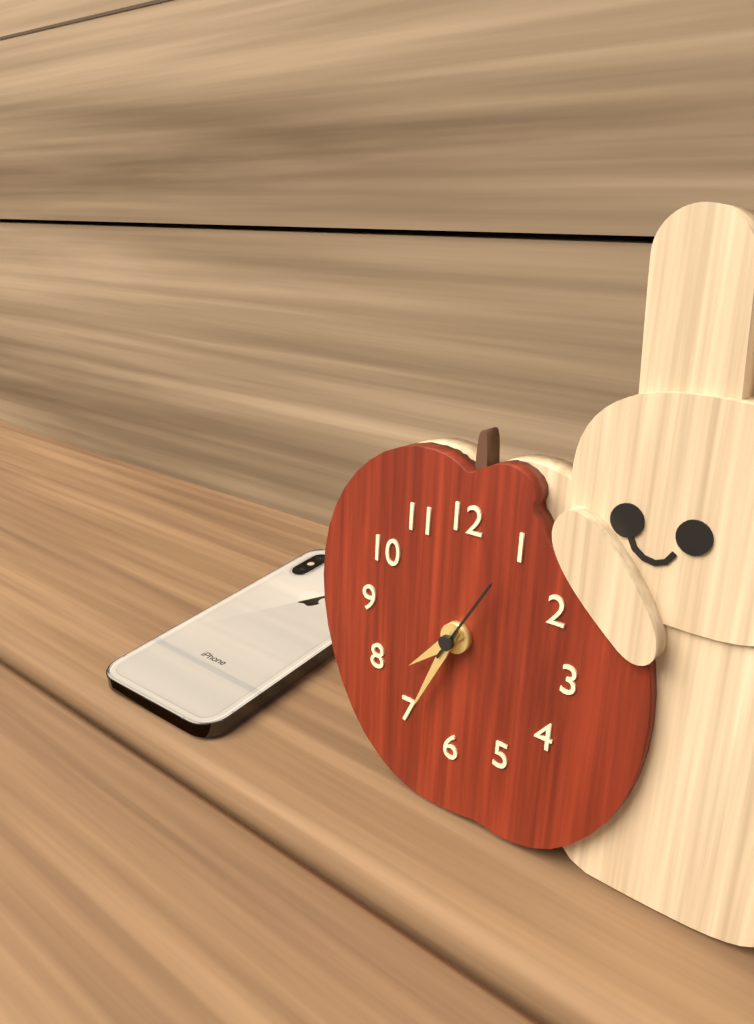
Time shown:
{"hour": 7, "minute": 34, "second": 5}
